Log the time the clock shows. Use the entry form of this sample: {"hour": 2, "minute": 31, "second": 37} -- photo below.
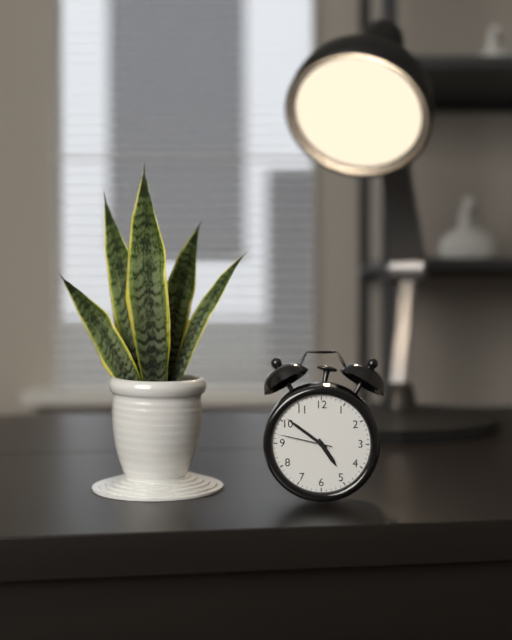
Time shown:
{"hour": 4, "minute": 51, "second": 47}
